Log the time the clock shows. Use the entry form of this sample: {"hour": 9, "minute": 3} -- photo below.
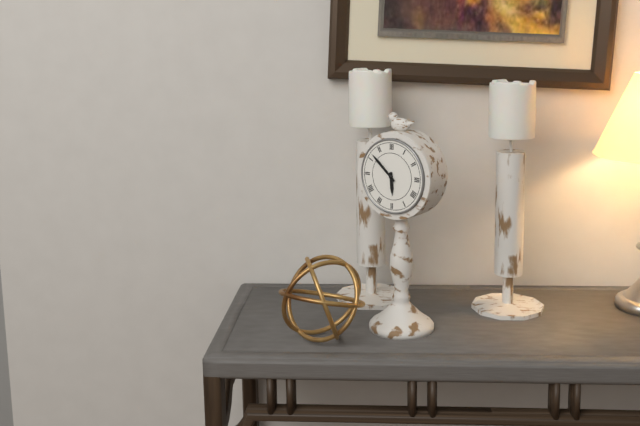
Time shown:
{"hour": 5, "minute": 52}
